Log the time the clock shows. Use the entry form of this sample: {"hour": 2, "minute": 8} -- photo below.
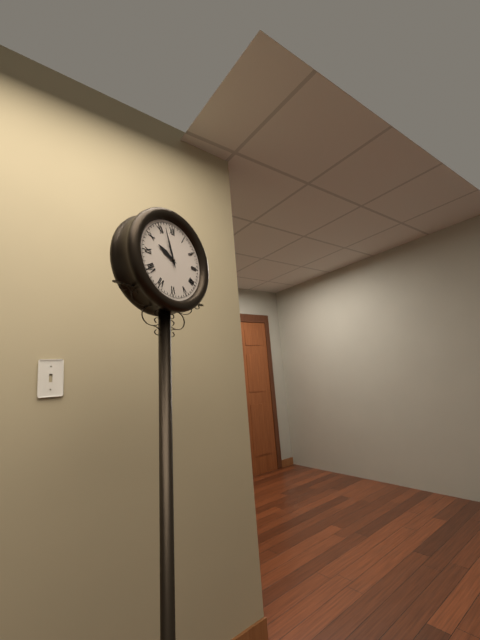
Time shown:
{"hour": 9, "minute": 57}
